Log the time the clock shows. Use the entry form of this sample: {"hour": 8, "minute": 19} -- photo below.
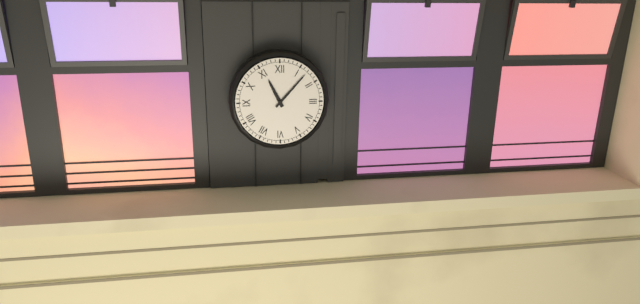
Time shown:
{"hour": 11, "minute": 7}
